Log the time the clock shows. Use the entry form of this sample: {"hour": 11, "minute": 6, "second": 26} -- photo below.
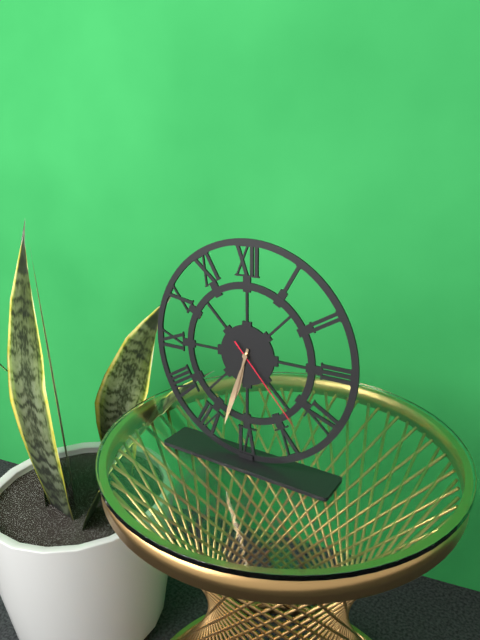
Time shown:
{"hour": 6, "minute": 33, "second": 23}
